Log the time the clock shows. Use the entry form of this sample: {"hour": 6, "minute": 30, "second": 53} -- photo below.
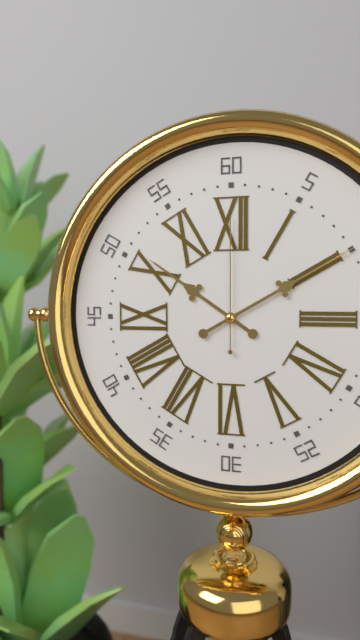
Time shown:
{"hour": 10, "minute": 10, "second": 0}
